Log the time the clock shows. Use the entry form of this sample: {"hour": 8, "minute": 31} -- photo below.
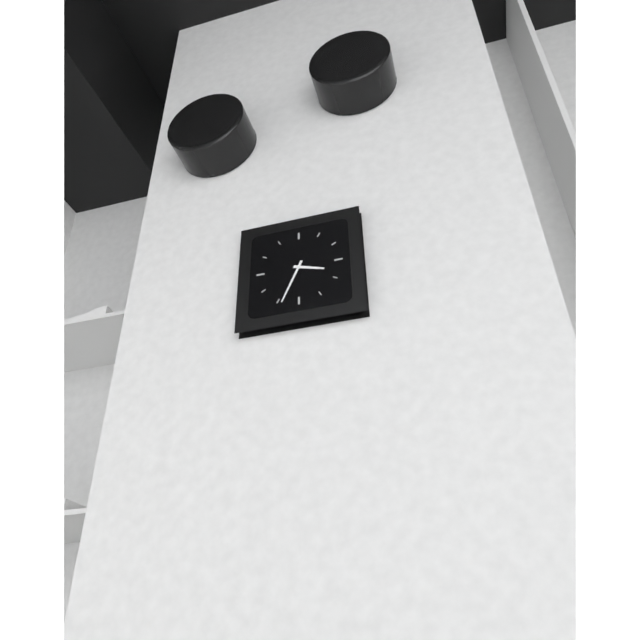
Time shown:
{"hour": 3, "minute": 34}
